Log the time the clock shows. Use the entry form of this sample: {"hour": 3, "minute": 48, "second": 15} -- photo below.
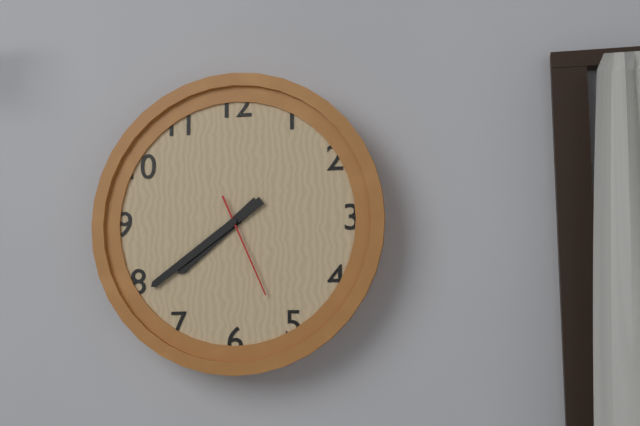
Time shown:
{"hour": 7, "minute": 39, "second": 26}
